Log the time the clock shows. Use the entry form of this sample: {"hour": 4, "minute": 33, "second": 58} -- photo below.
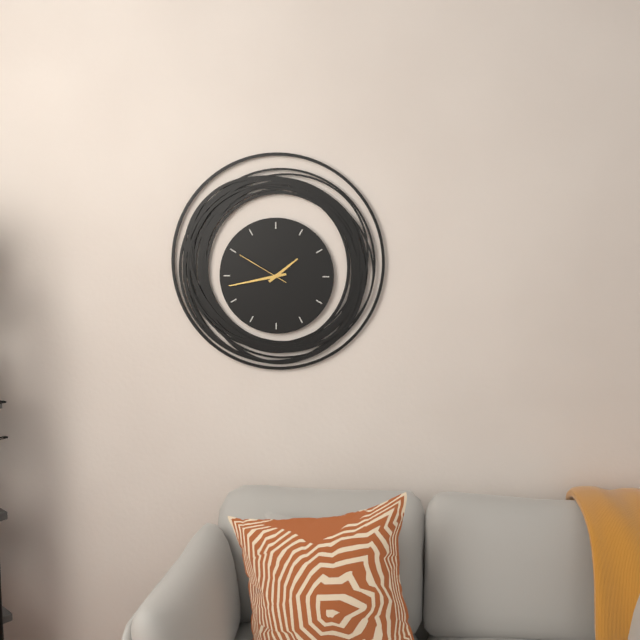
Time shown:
{"hour": 1, "minute": 43, "second": 50}
